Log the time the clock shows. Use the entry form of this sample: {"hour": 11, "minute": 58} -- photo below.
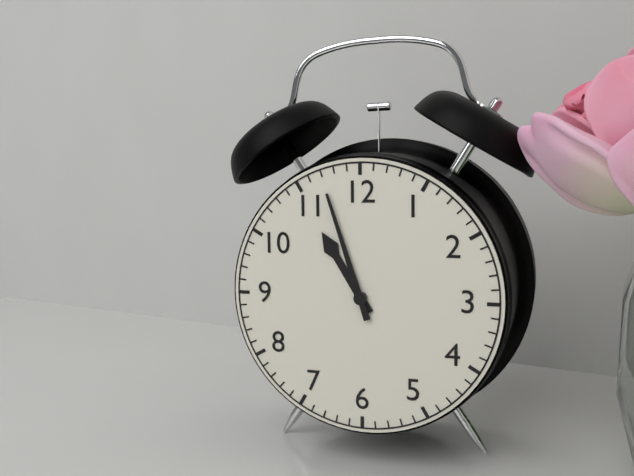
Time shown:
{"hour": 10, "minute": 57}
